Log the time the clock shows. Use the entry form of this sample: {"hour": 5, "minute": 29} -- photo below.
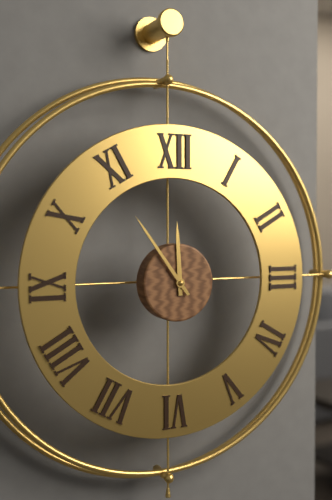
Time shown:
{"hour": 11, "minute": 54}
